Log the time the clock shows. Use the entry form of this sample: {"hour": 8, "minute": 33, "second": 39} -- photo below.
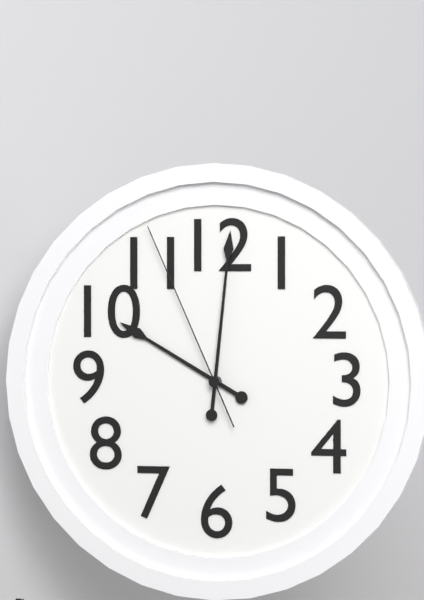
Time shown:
{"hour": 10, "minute": 1, "second": 56}
